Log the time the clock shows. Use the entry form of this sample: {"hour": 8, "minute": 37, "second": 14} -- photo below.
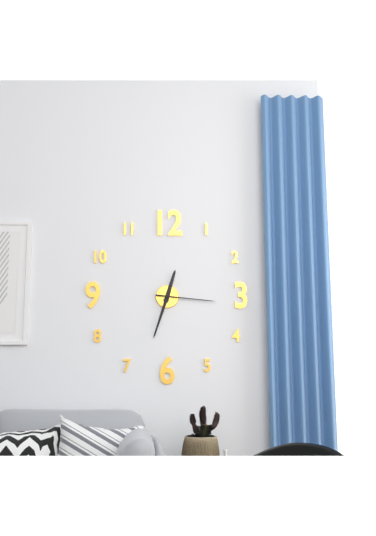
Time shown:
{"hour": 12, "minute": 33, "second": 16}
